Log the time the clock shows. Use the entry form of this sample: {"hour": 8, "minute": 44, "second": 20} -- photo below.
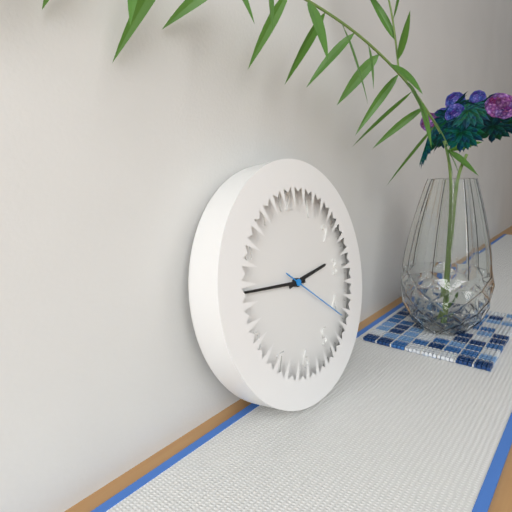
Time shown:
{"hour": 2, "minute": 46, "second": 21}
